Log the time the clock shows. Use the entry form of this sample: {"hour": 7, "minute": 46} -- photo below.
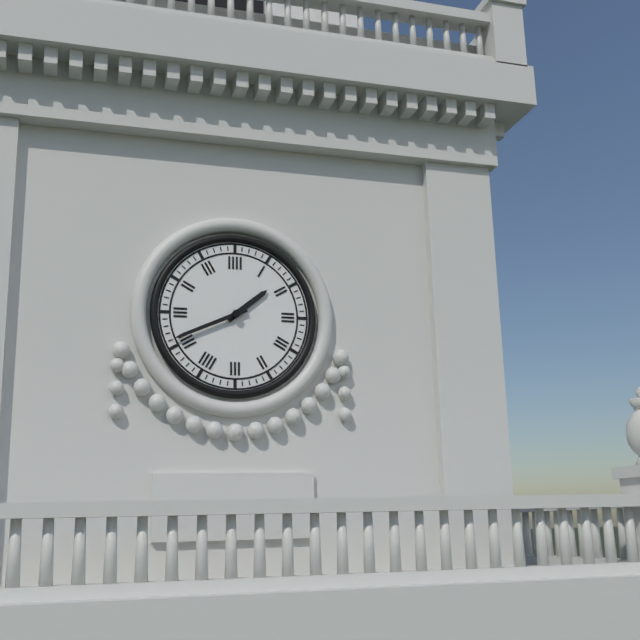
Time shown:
{"hour": 1, "minute": 41}
